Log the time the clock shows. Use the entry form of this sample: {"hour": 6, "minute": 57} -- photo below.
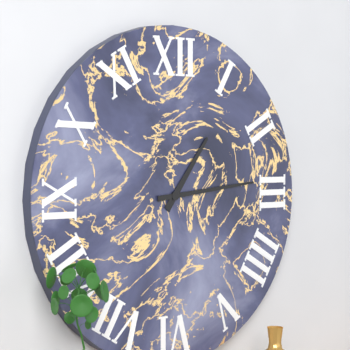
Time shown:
{"hour": 1, "minute": 14}
